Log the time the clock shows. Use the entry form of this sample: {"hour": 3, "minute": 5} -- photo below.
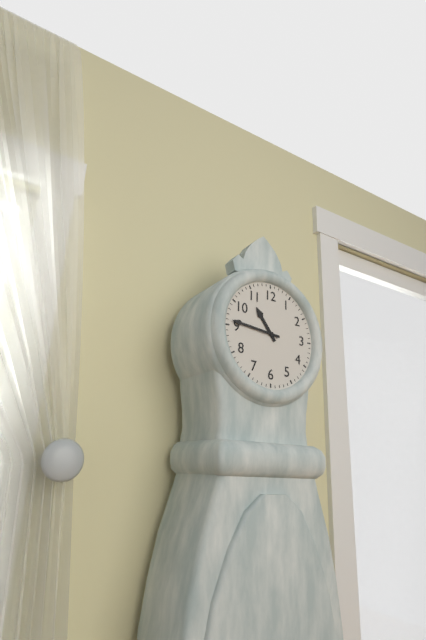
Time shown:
{"hour": 10, "minute": 46}
